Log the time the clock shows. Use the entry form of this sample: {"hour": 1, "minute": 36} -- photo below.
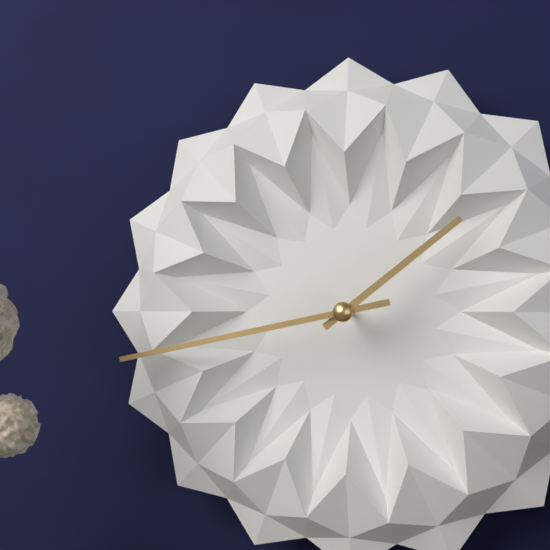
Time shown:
{"hour": 1, "minute": 43}
